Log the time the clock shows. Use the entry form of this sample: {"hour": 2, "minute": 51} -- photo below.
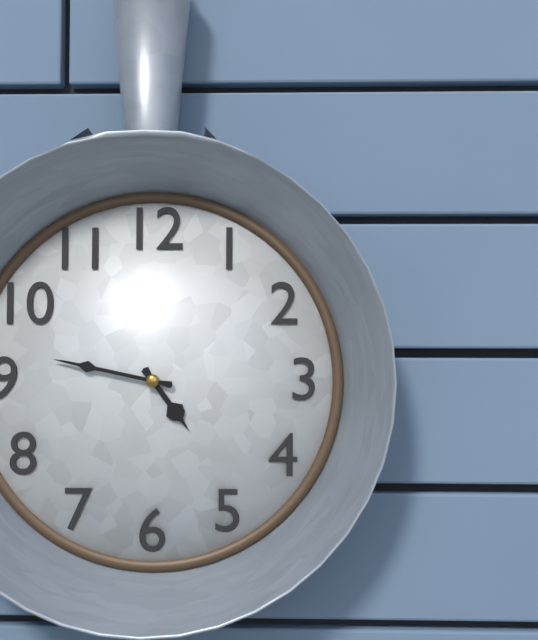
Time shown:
{"hour": 4, "minute": 47}
